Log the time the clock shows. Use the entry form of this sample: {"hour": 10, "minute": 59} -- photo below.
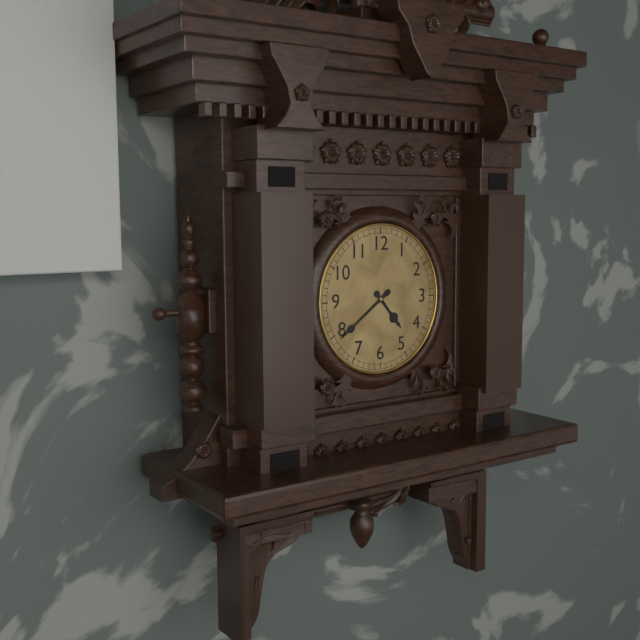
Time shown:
{"hour": 4, "minute": 39}
